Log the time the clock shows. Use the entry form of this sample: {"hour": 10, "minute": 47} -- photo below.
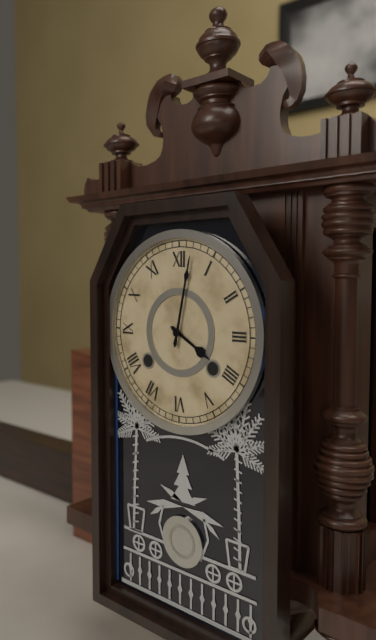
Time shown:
{"hour": 4, "minute": 2}
